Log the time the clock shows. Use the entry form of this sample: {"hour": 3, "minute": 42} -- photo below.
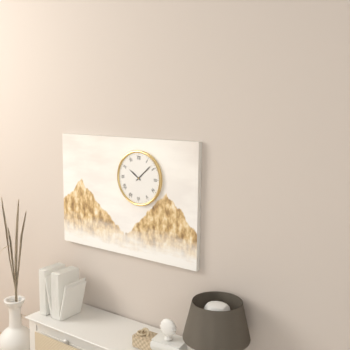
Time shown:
{"hour": 10, "minute": 8}
